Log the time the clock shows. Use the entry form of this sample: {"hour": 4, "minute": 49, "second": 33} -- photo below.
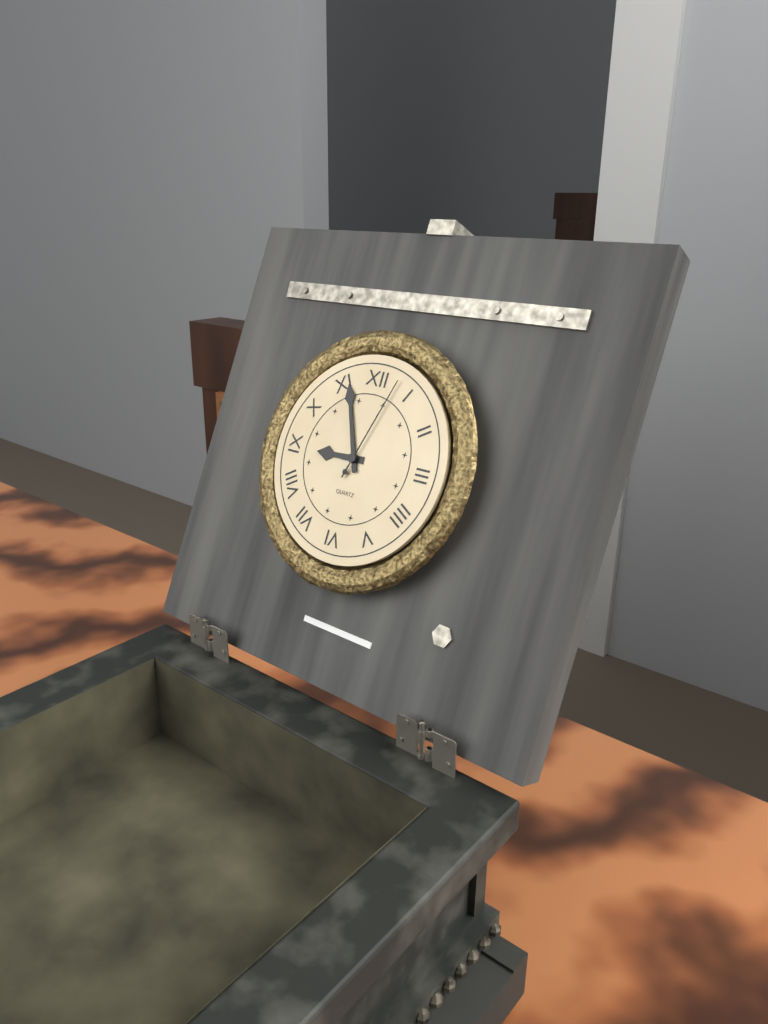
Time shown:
{"hour": 8, "minute": 56, "second": 3}
